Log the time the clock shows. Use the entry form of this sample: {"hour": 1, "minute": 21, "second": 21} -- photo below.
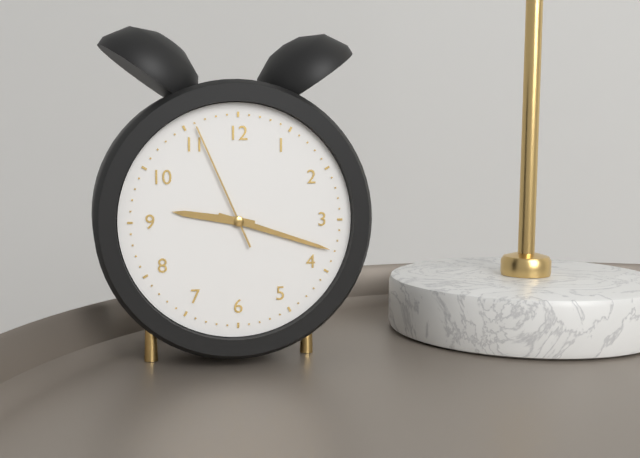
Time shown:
{"hour": 9, "minute": 18, "second": 56}
